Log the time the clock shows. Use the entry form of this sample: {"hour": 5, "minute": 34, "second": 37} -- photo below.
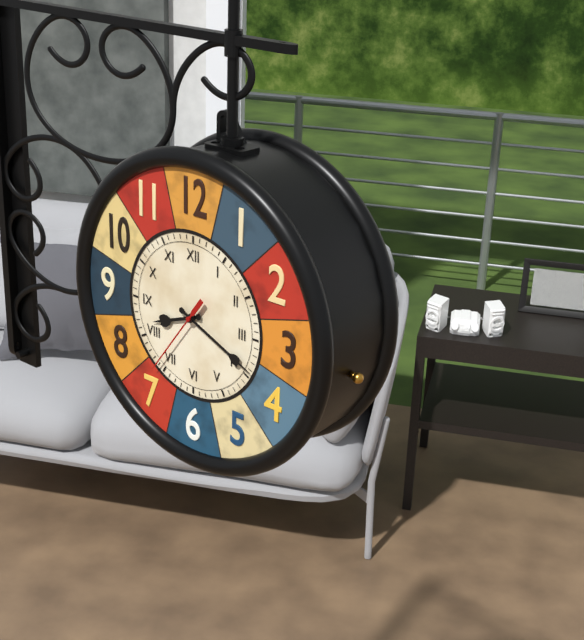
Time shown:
{"hour": 8, "minute": 19, "second": 36}
